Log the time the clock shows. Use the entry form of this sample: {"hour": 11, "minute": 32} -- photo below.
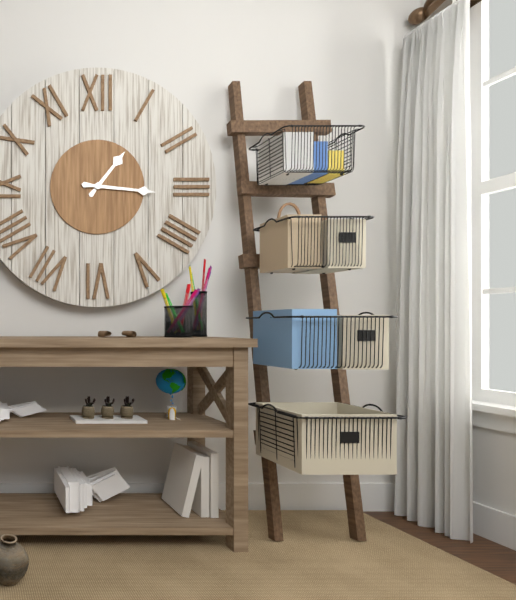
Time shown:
{"hour": 1, "minute": 16}
